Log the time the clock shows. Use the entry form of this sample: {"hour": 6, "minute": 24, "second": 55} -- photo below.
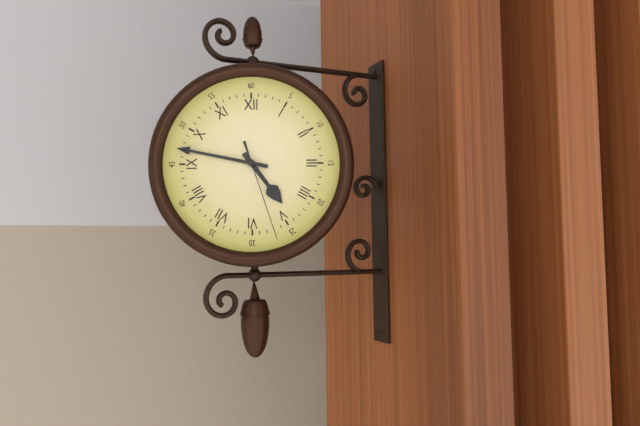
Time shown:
{"hour": 4, "minute": 47, "second": 27}
